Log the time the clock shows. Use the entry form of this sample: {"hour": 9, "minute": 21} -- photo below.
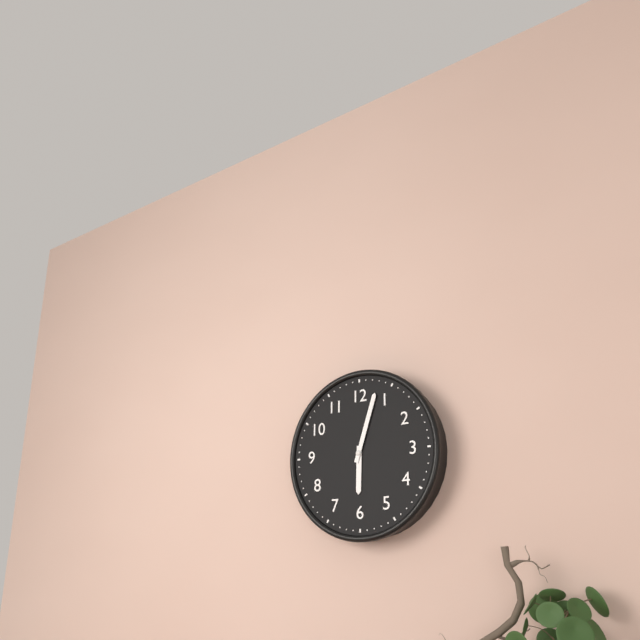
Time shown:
{"hour": 6, "minute": 3}
